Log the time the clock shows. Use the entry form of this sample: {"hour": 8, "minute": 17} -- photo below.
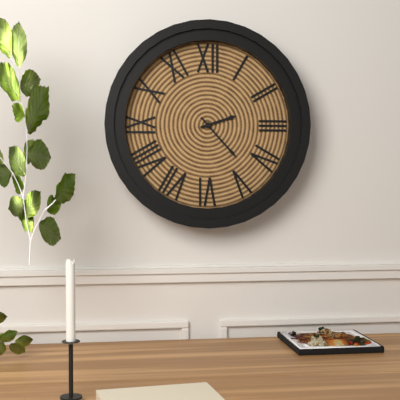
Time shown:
{"hour": 2, "minute": 23}
